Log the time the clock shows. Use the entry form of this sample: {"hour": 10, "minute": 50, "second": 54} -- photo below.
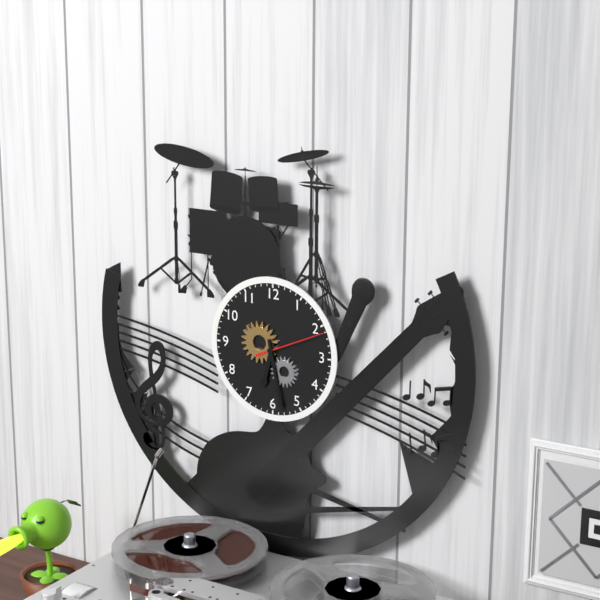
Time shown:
{"hour": 6, "minute": 28, "second": 11}
